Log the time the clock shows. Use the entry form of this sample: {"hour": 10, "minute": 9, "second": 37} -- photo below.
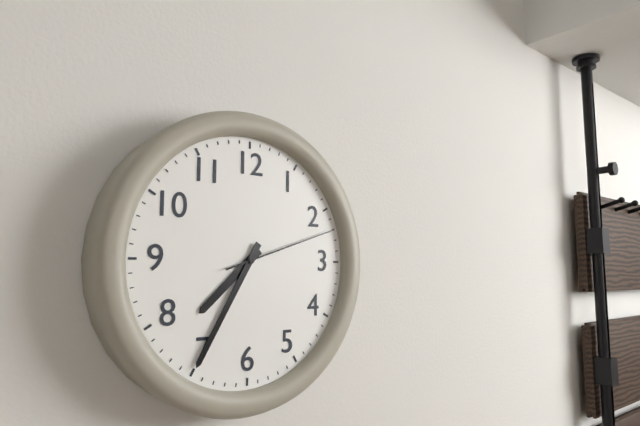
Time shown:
{"hour": 7, "minute": 35, "second": 12}
